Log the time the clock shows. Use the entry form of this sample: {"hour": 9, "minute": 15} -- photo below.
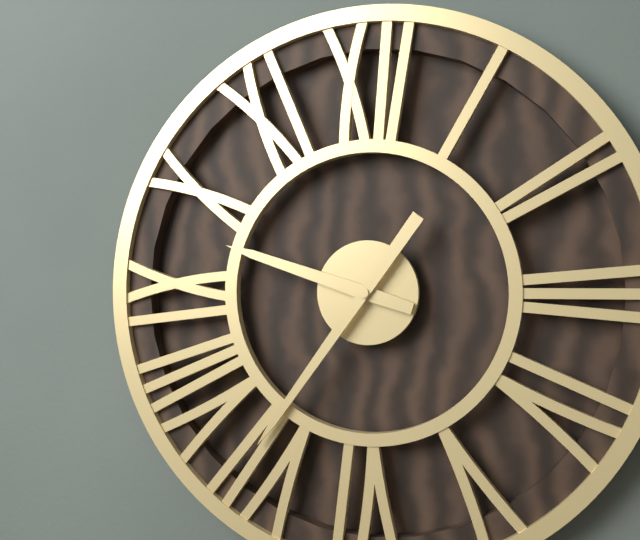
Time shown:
{"hour": 9, "minute": 36}
